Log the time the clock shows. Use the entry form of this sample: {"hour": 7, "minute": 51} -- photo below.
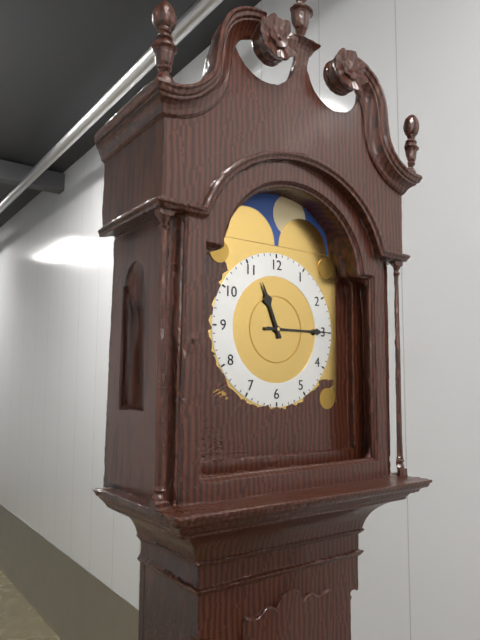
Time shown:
{"hour": 11, "minute": 15}
